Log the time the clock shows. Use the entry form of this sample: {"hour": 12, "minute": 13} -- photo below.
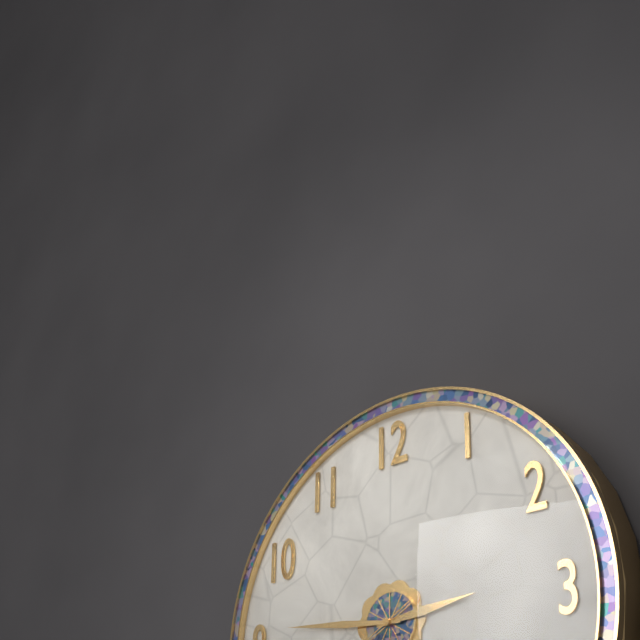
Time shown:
{"hour": 2, "minute": 46}
